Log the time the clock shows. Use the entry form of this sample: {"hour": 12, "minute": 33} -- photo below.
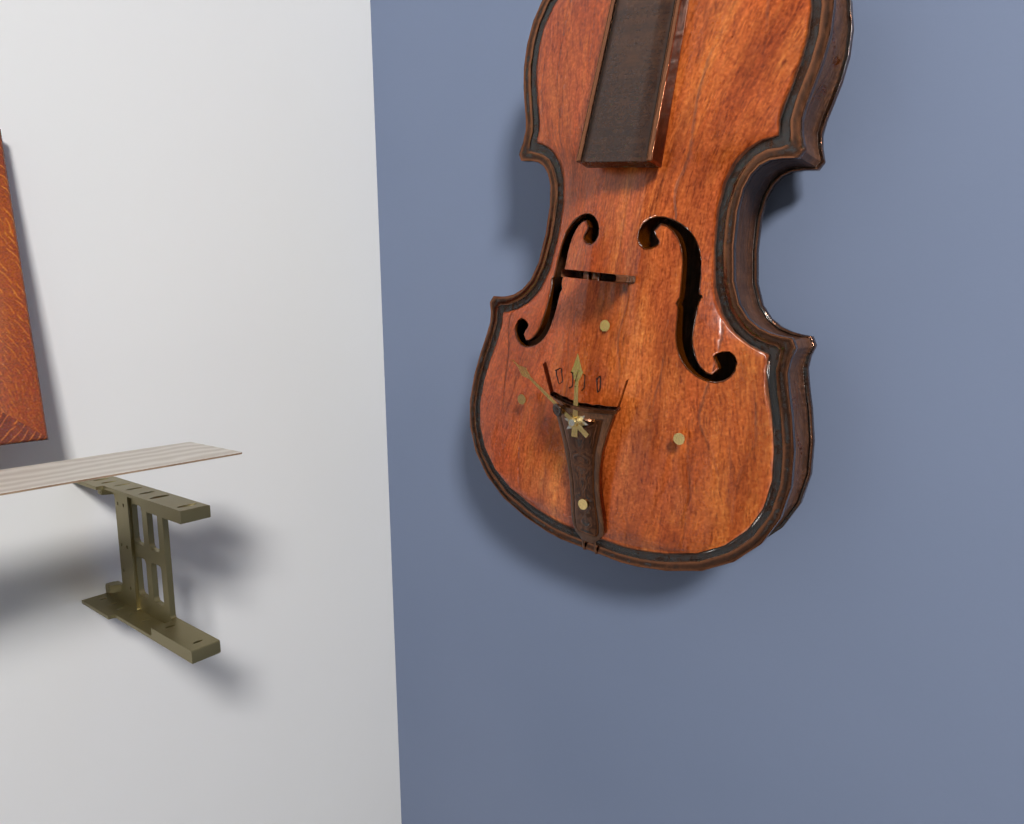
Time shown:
{"hour": 11, "minute": 50}
